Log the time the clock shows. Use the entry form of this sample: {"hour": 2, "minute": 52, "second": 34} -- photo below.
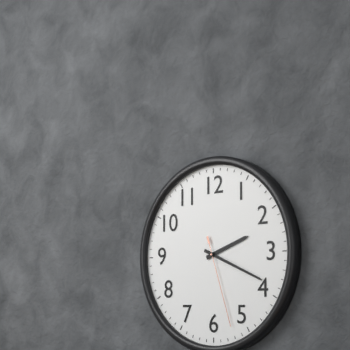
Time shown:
{"hour": 2, "minute": 19, "second": 27}
